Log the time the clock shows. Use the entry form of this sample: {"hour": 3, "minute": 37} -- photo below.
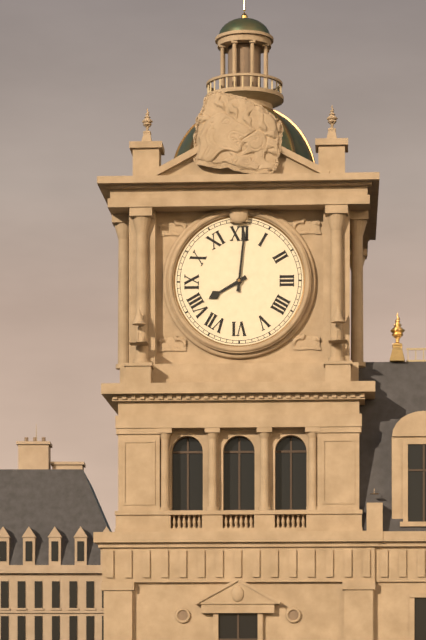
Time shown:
{"hour": 8, "minute": 1}
